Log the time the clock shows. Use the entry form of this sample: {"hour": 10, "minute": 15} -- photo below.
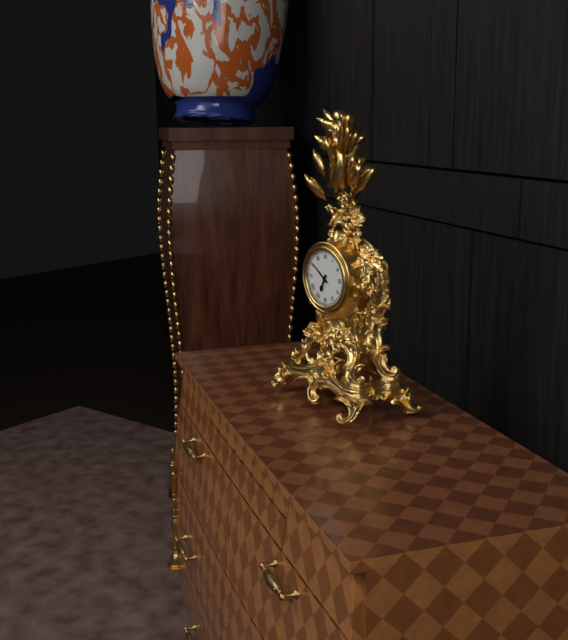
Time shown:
{"hour": 6, "minute": 51}
